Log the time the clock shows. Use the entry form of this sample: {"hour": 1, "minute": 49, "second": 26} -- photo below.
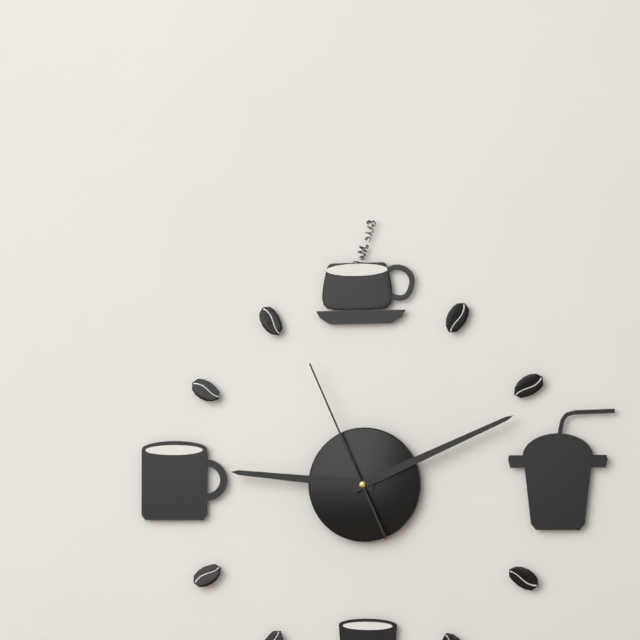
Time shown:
{"hour": 9, "minute": 11, "second": 56}
